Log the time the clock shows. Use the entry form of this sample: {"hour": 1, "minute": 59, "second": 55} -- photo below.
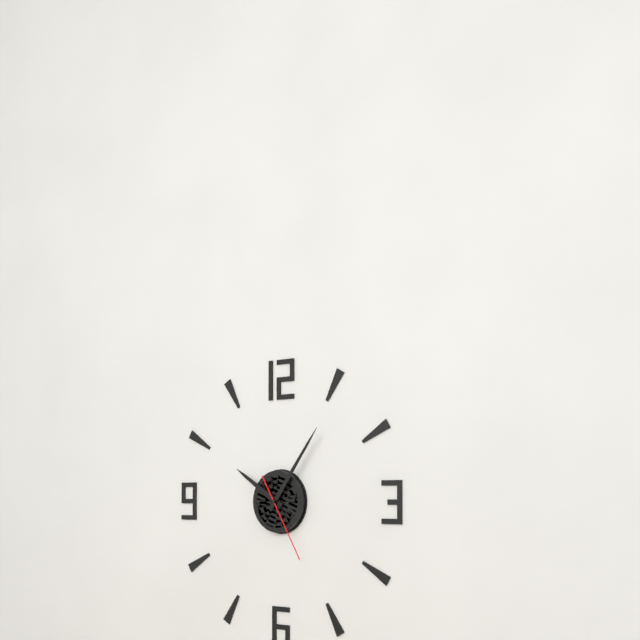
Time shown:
{"hour": 10, "minute": 6, "second": 25}
